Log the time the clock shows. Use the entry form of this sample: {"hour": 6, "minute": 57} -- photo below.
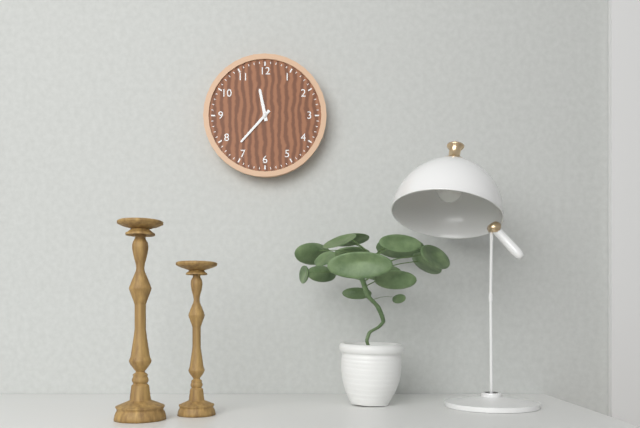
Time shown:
{"hour": 11, "minute": 37}
